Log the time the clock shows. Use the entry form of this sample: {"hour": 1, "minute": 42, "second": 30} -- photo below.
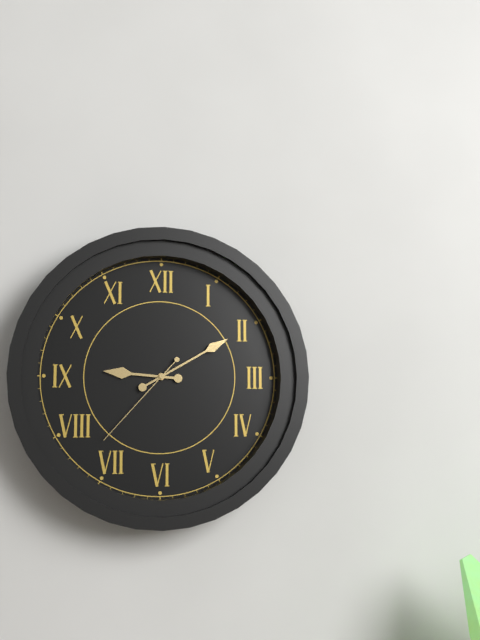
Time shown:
{"hour": 9, "minute": 10, "second": 37}
